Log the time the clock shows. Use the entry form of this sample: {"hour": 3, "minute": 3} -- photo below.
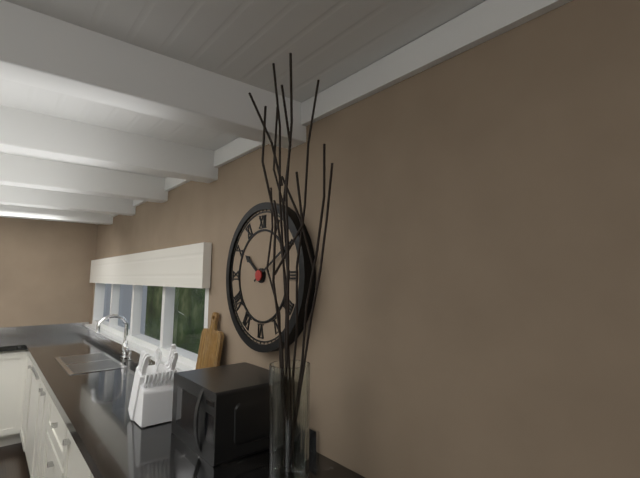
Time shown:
{"hour": 10, "minute": 10}
